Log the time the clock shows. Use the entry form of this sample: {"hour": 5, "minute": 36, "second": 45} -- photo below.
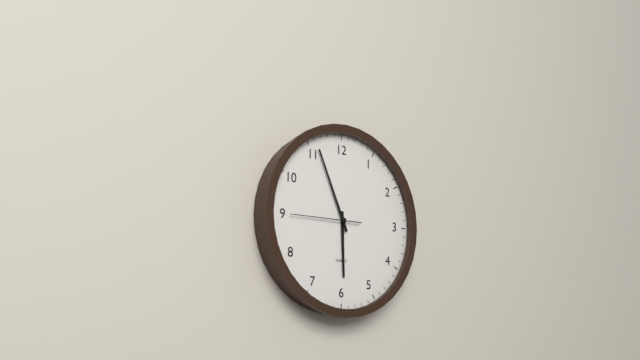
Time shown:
{"hour": 5, "minute": 56, "second": 45}
